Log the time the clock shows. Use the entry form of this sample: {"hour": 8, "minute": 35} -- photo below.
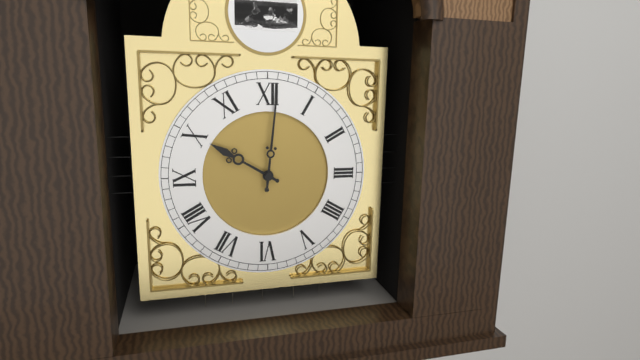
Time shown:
{"hour": 10, "minute": 1}
